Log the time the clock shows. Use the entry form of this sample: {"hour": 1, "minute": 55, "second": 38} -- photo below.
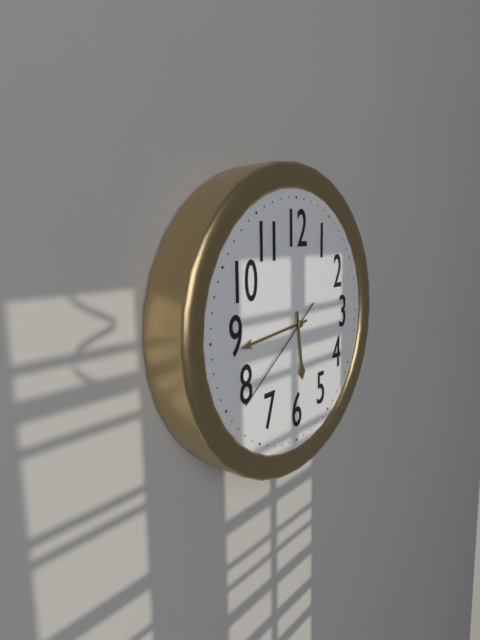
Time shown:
{"hour": 5, "minute": 44, "second": 39}
